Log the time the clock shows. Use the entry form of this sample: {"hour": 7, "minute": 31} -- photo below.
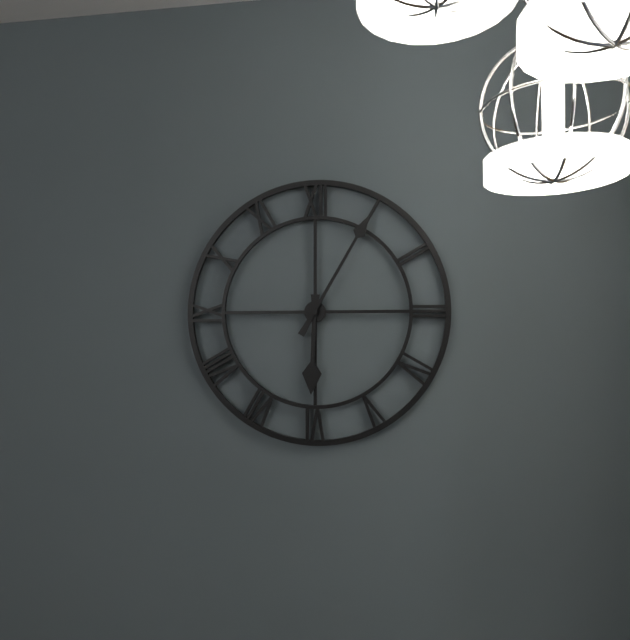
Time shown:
{"hour": 6, "minute": 5}
